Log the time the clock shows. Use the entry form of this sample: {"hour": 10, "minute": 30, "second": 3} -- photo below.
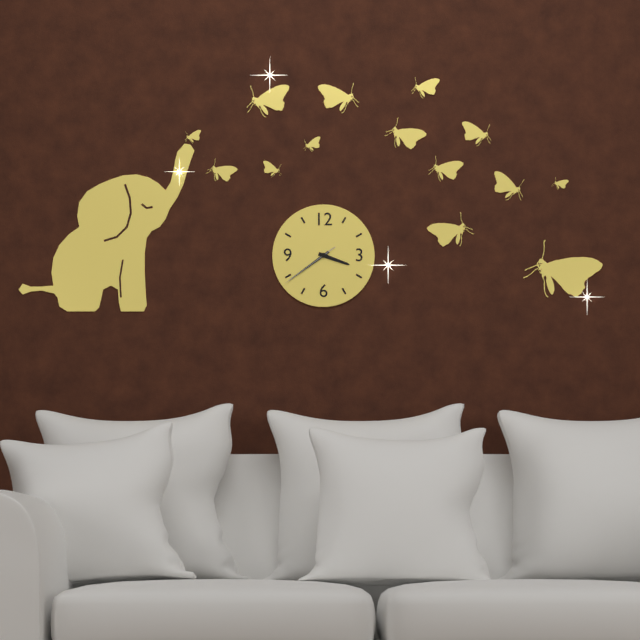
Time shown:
{"hour": 3, "minute": 39, "second": 39}
